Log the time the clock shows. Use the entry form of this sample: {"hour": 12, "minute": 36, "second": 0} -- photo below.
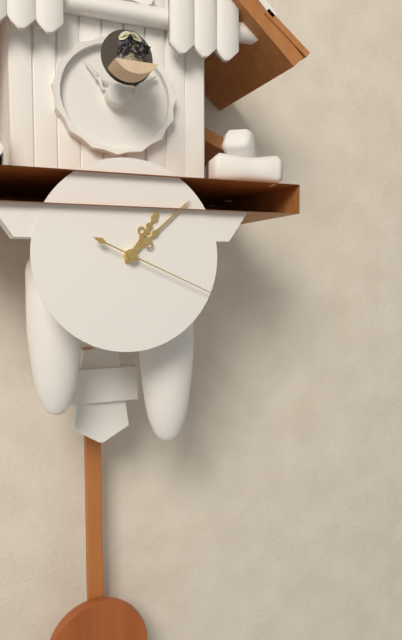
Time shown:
{"hour": 1, "minute": 8, "second": 19}
